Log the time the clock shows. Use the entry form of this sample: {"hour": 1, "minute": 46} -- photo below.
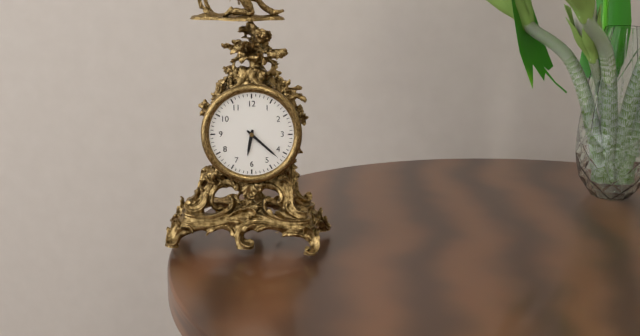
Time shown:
{"hour": 6, "minute": 22}
